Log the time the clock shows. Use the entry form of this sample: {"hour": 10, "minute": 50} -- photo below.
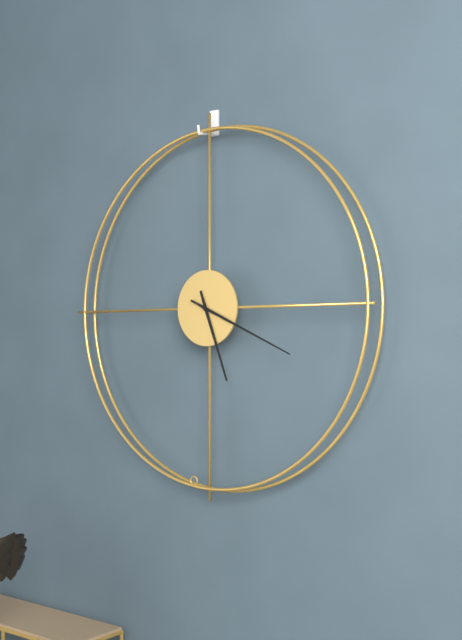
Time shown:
{"hour": 5, "minute": 19}
